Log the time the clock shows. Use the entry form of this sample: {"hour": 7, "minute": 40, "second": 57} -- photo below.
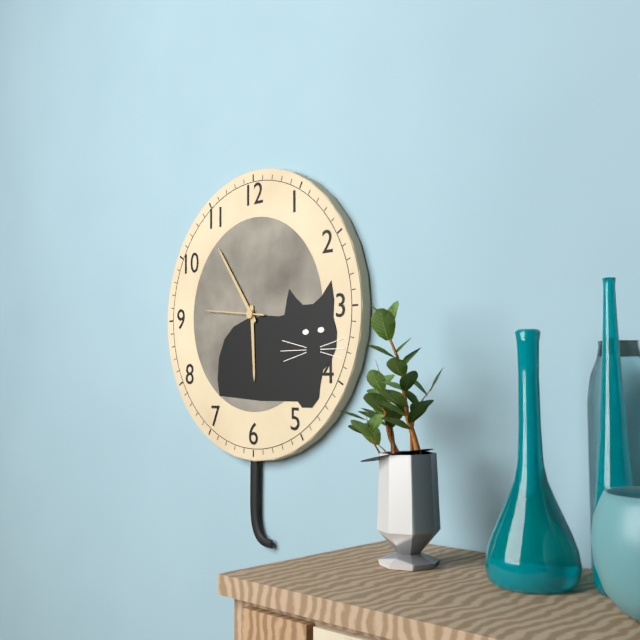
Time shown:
{"hour": 5, "minute": 54, "second": 46}
